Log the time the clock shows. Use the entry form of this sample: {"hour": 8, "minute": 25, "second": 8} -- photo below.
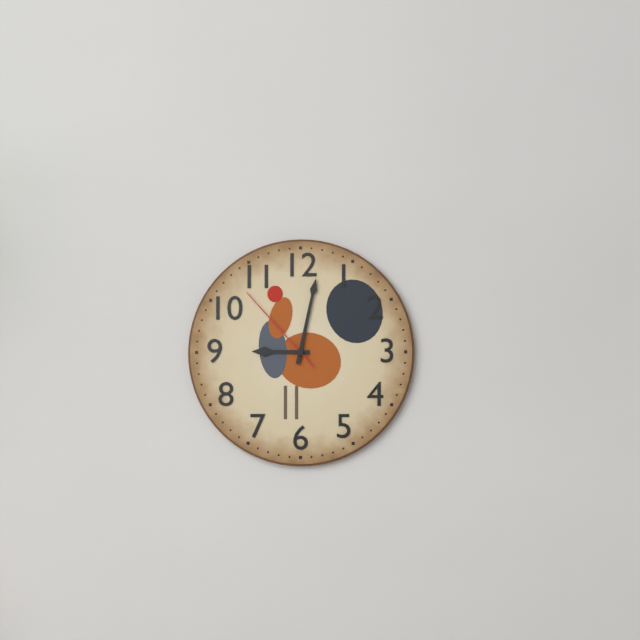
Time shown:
{"hour": 9, "minute": 2, "second": 53}
